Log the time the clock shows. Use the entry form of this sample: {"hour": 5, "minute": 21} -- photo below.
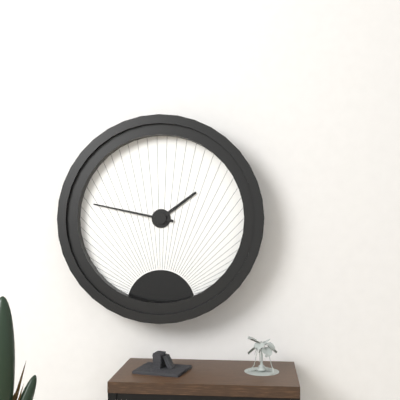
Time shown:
{"hour": 1, "minute": 47}
